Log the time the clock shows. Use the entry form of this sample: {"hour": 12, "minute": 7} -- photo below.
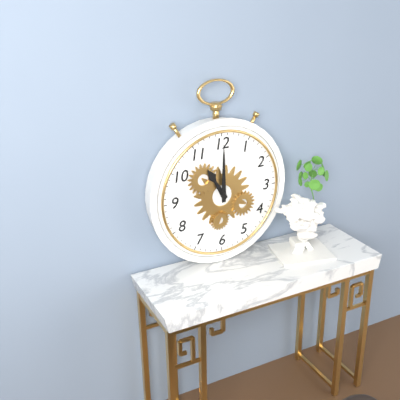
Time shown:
{"hour": 11, "minute": 0}
